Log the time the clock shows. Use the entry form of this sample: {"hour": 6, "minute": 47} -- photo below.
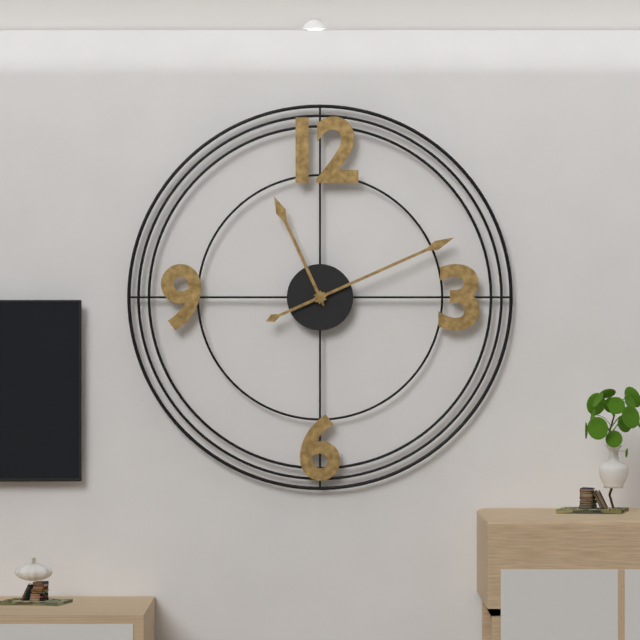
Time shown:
{"hour": 11, "minute": 11}
